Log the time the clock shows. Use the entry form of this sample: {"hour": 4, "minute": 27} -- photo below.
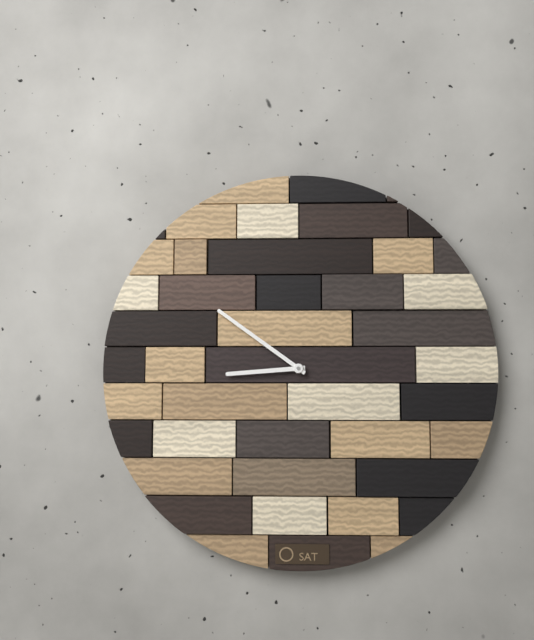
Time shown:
{"hour": 8, "minute": 51}
